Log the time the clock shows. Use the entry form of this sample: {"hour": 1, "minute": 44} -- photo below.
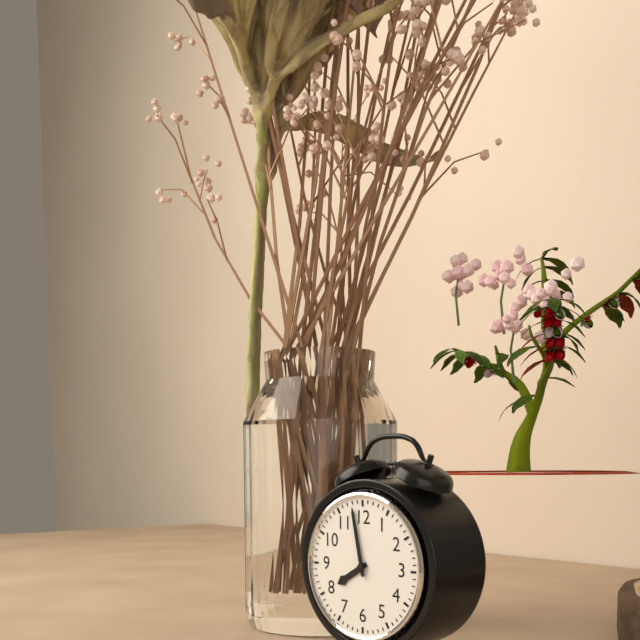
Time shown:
{"hour": 7, "minute": 58}
